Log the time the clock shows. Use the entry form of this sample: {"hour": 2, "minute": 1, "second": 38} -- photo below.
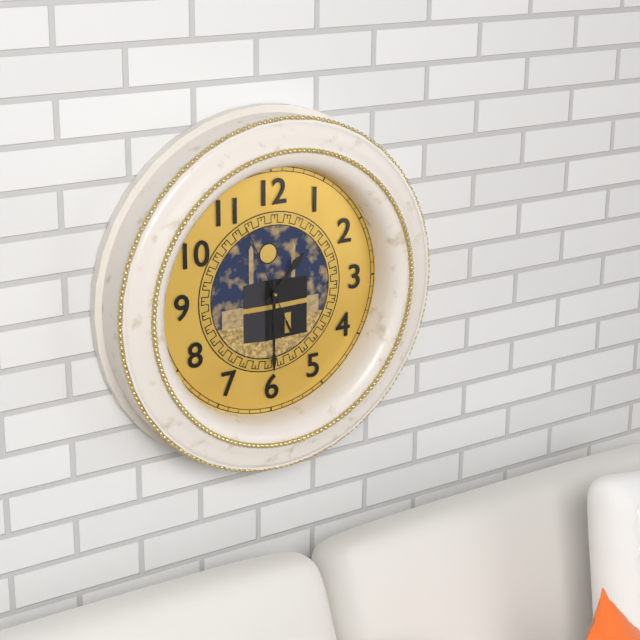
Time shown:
{"hour": 1, "minute": 30, "second": 56}
